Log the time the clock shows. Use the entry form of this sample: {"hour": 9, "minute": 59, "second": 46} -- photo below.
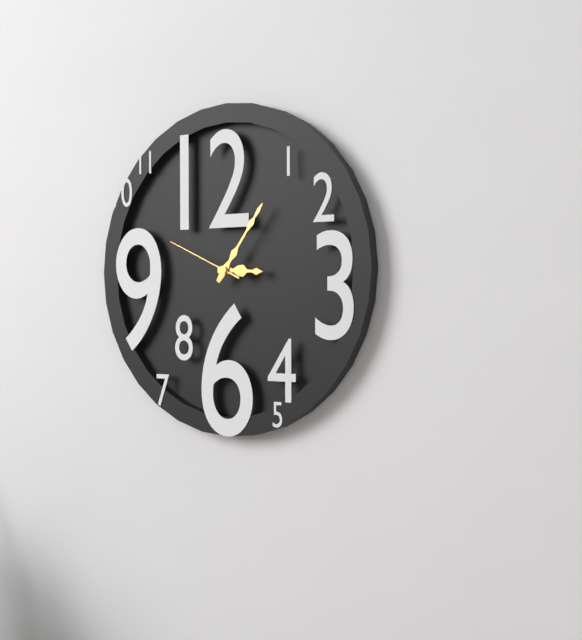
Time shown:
{"hour": 3, "minute": 6, "second": 49}
